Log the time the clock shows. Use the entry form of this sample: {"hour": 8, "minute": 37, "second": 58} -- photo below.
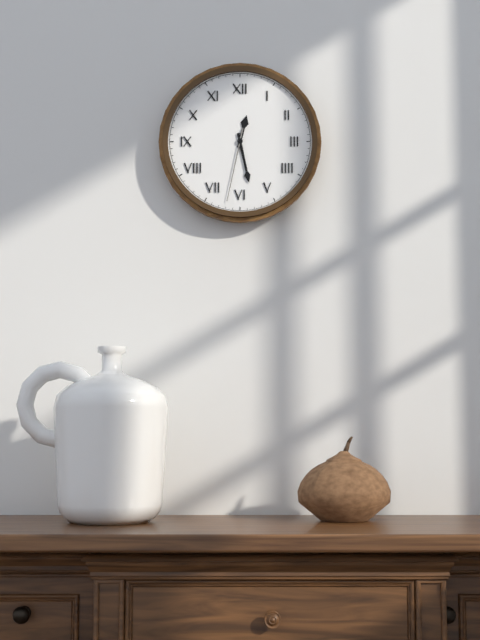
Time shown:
{"hour": 12, "minute": 28, "second": 32}
